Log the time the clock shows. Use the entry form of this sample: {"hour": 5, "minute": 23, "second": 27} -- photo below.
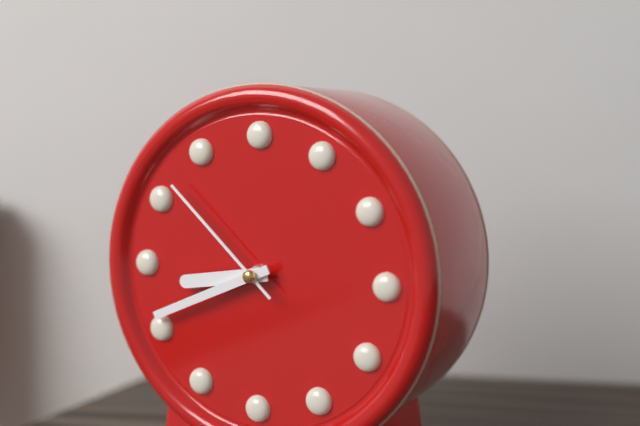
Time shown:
{"hour": 8, "minute": 41, "second": 52}
